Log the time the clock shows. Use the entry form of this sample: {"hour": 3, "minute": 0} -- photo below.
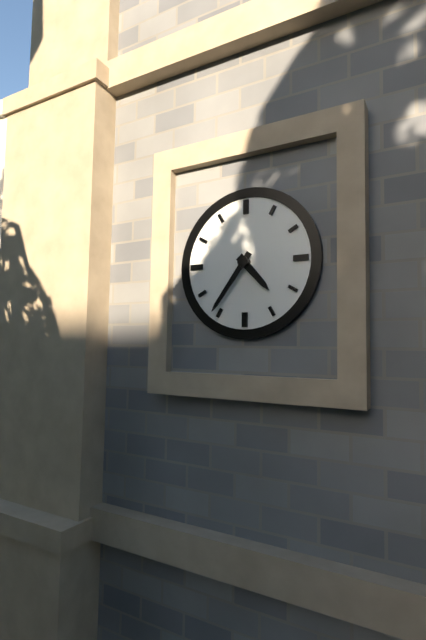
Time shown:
{"hour": 4, "minute": 36}
